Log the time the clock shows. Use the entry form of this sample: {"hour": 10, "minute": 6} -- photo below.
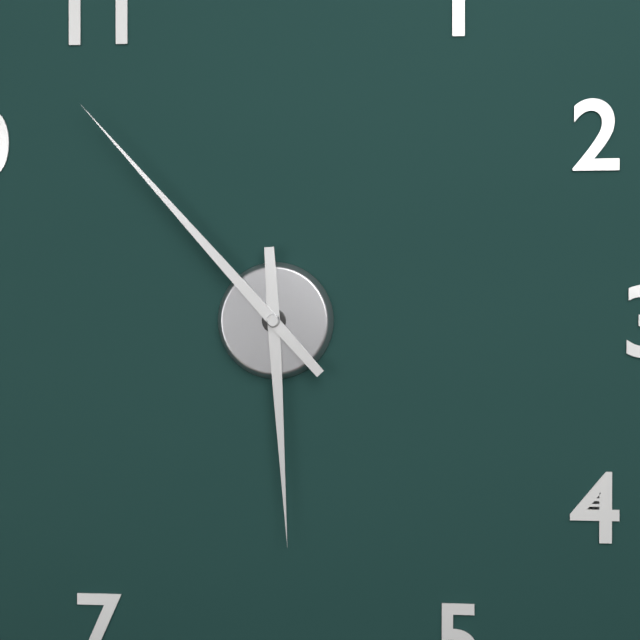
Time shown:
{"hour": 5, "minute": 53}
